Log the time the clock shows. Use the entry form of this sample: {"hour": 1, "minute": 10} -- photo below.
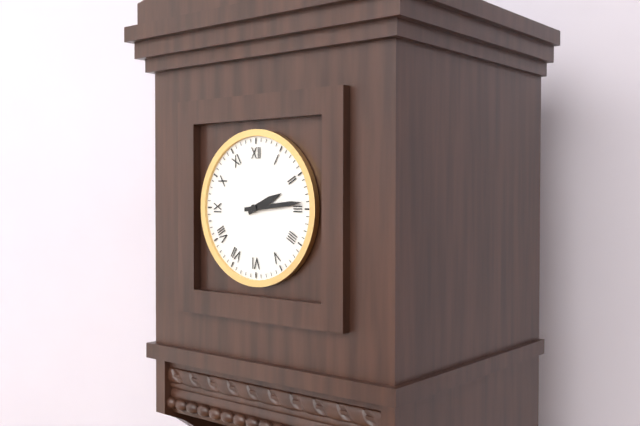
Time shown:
{"hour": 2, "minute": 14}
